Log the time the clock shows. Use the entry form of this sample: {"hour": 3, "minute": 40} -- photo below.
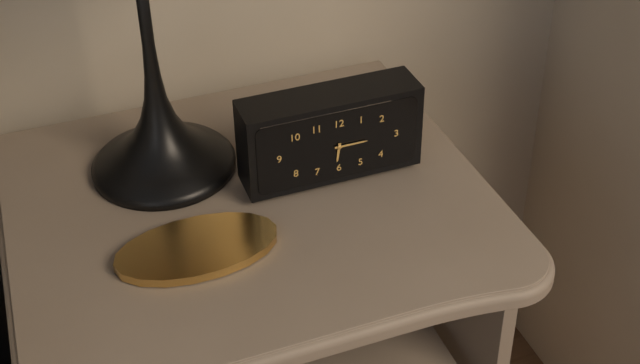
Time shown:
{"hour": 6, "minute": 15}
